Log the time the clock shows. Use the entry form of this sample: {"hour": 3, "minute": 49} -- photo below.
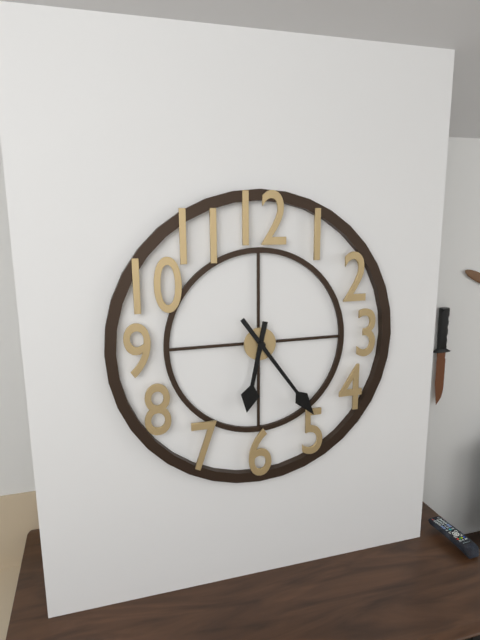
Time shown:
{"hour": 6, "minute": 24}
